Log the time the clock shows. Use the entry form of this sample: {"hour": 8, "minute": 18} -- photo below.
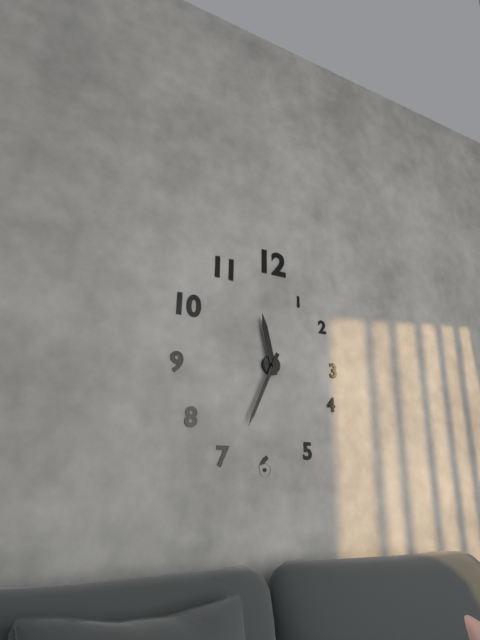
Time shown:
{"hour": 11, "minute": 34}
